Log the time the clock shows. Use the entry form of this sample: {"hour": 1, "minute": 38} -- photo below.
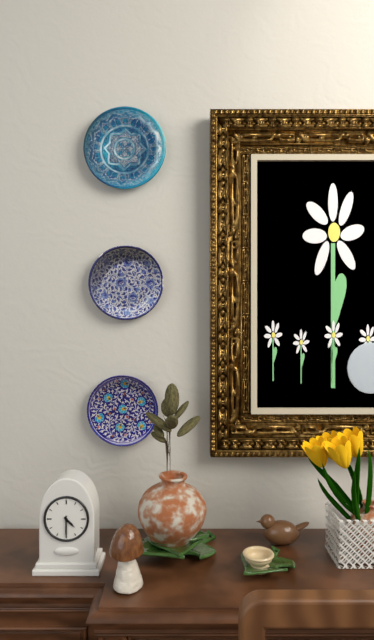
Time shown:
{"hour": 4, "minute": 30}
